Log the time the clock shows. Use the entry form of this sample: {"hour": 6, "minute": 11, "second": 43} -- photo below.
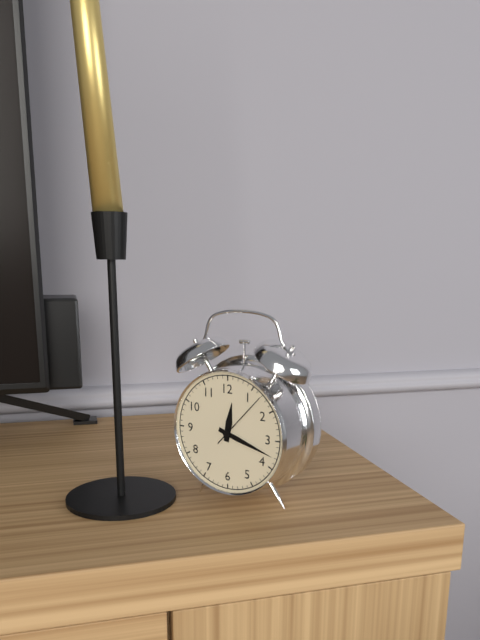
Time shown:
{"hour": 12, "minute": 18, "second": 7}
